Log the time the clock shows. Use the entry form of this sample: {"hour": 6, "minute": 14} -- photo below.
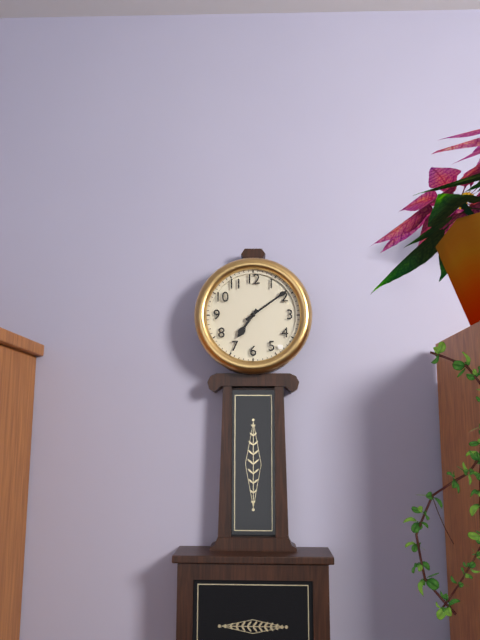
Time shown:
{"hour": 7, "minute": 9}
